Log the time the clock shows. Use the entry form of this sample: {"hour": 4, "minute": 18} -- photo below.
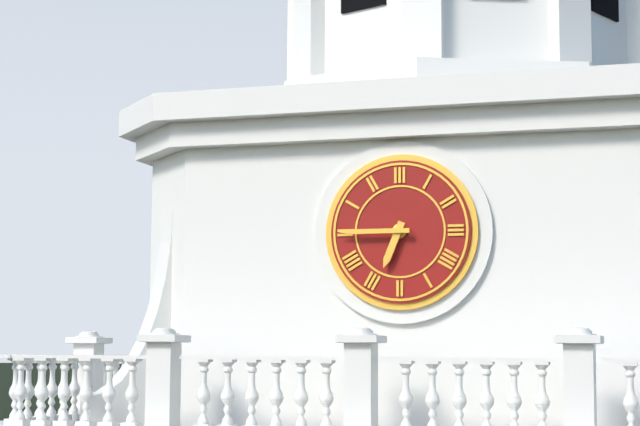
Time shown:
{"hour": 6, "minute": 45}
